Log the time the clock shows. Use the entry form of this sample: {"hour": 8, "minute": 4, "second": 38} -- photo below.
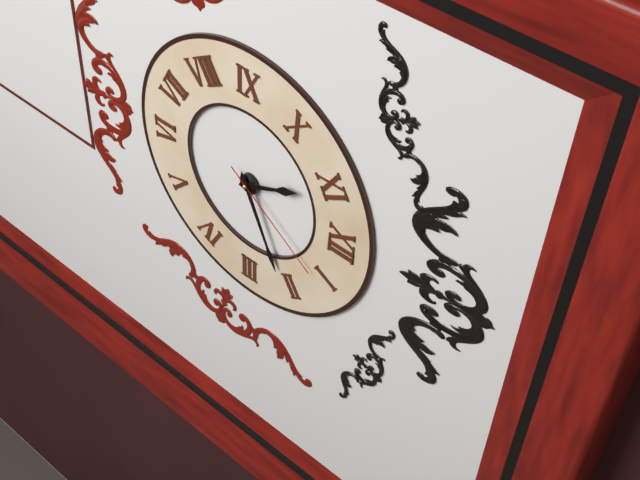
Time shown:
{"hour": 11, "minute": 11, "second": 6}
